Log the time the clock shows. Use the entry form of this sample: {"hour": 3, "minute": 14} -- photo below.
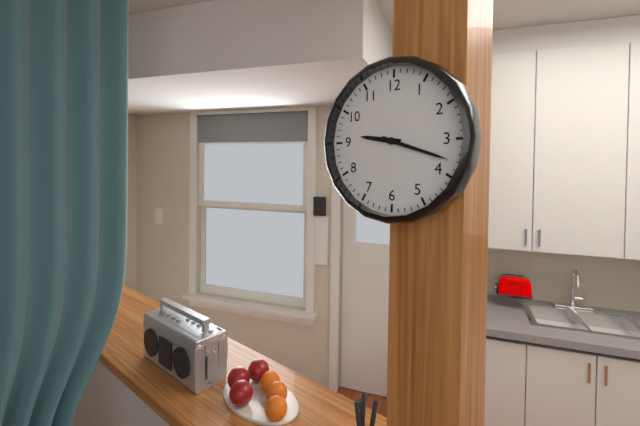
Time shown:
{"hour": 9, "minute": 18}
